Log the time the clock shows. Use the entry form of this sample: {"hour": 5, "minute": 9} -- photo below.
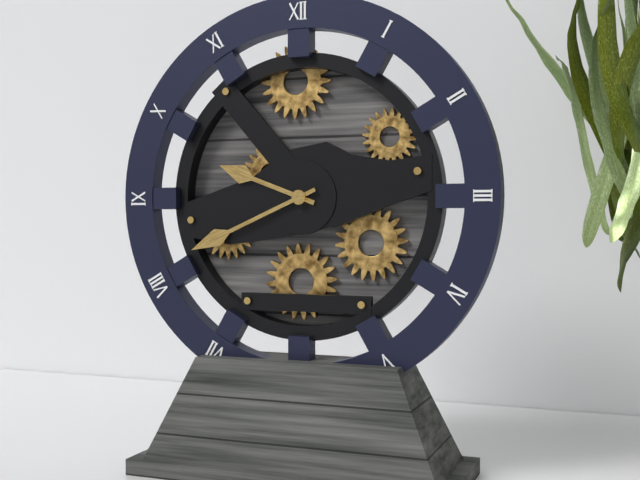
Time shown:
{"hour": 9, "minute": 41}
